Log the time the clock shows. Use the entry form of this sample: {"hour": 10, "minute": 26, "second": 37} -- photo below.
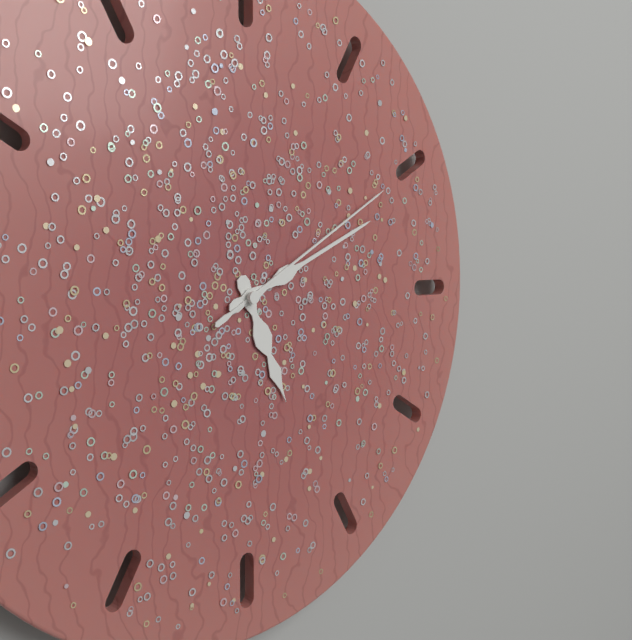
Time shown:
{"hour": 5, "minute": 11, "second": 10}
